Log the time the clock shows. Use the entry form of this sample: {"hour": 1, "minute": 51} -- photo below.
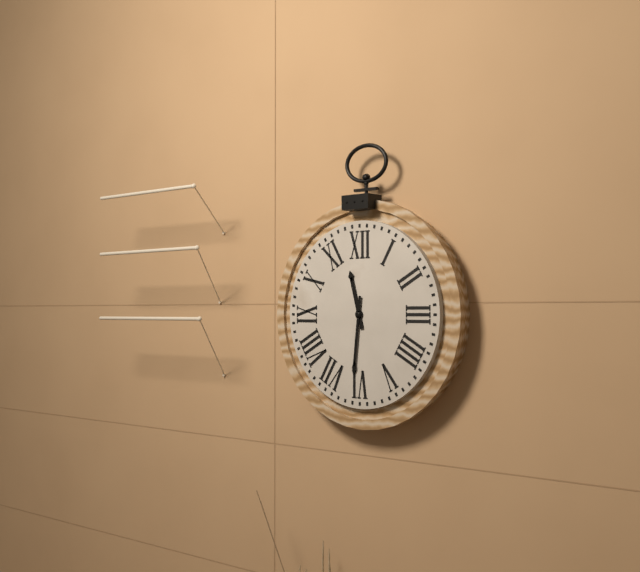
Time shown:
{"hour": 11, "minute": 31}
